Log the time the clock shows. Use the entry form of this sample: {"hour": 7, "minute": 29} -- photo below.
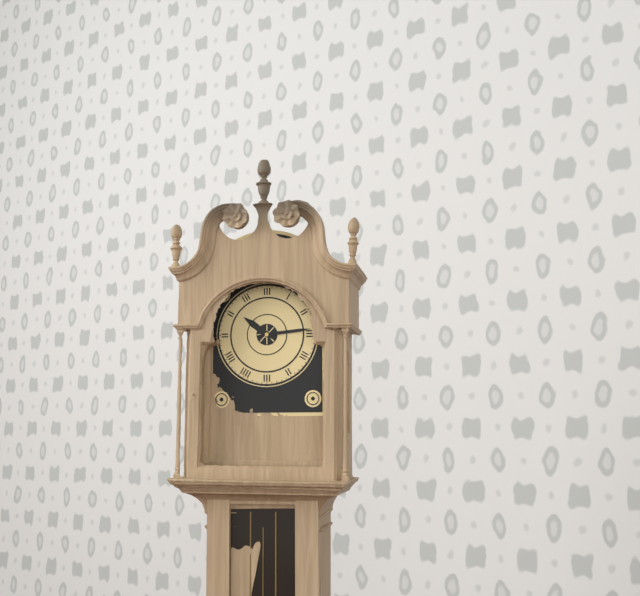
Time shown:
{"hour": 10, "minute": 14}
